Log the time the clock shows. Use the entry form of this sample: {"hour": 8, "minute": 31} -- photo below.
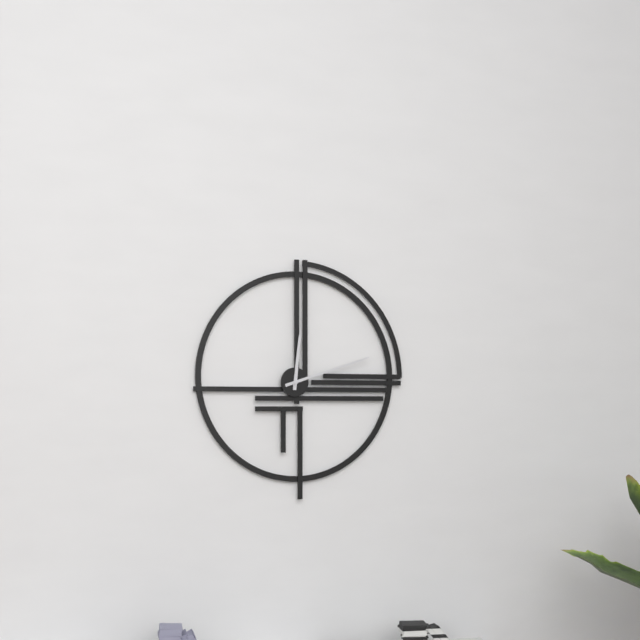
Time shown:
{"hour": 12, "minute": 12}
